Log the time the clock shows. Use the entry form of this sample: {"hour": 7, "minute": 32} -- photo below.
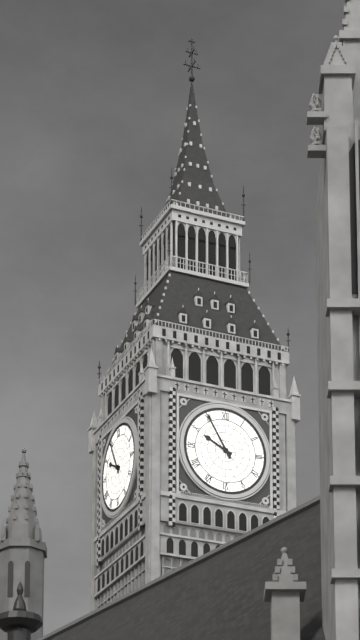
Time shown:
{"hour": 9, "minute": 55}
